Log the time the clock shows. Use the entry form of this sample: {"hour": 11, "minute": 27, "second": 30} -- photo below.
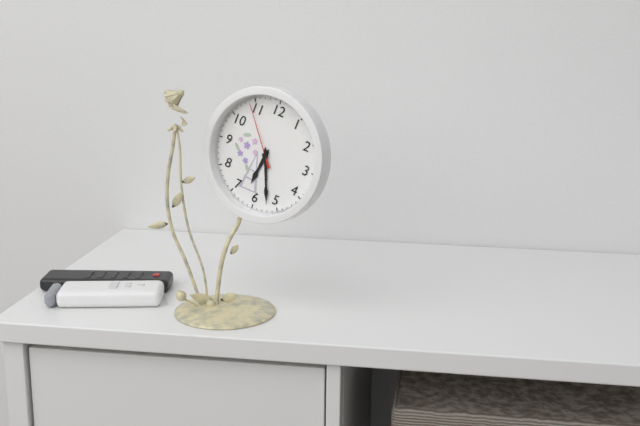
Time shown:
{"hour": 6, "minute": 27, "second": 54}
